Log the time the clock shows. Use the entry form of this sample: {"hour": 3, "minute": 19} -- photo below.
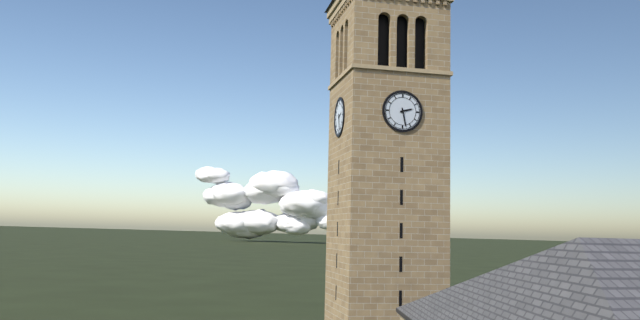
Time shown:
{"hour": 2, "minute": 28}
